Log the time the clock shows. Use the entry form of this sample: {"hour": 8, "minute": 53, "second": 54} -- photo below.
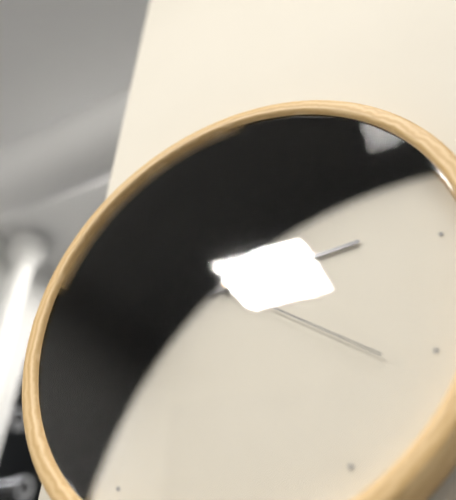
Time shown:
{"hour": 2, "minute": 49, "second": 21}
